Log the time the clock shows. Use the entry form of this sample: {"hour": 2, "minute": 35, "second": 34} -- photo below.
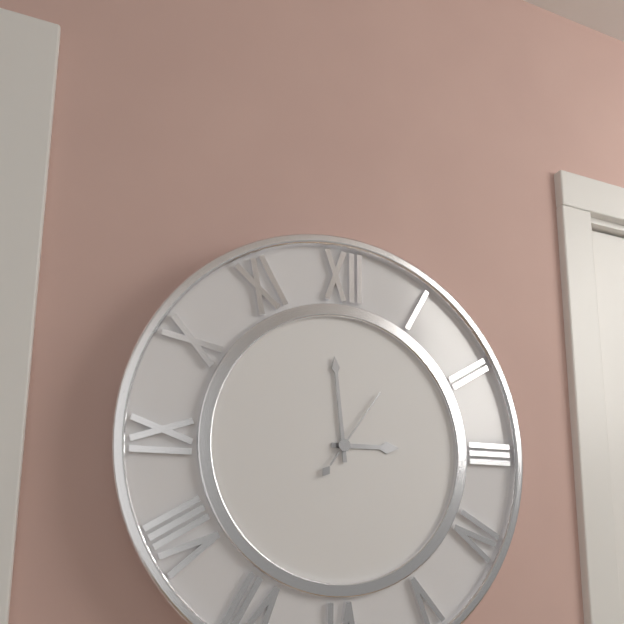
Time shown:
{"hour": 2, "minute": 59, "second": 6}
